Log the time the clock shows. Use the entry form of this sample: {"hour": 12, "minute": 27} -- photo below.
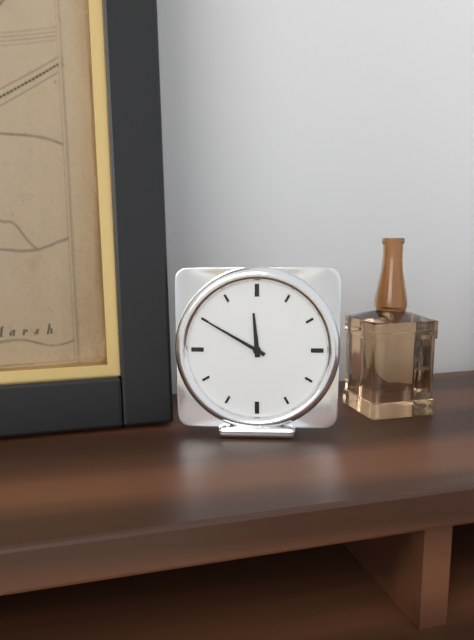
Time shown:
{"hour": 11, "minute": 50}
